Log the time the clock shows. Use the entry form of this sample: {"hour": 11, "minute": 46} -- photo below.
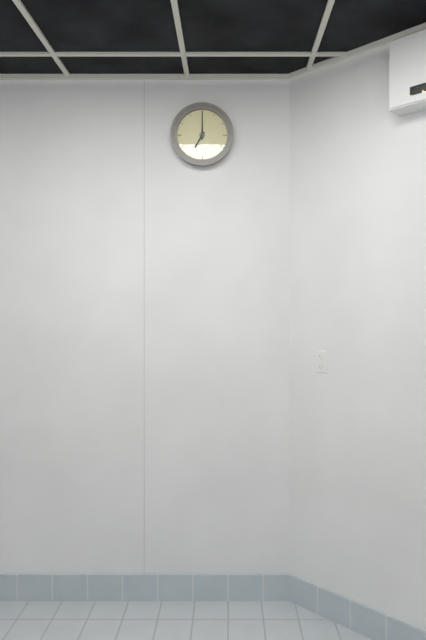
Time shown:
{"hour": 7, "minute": 0}
